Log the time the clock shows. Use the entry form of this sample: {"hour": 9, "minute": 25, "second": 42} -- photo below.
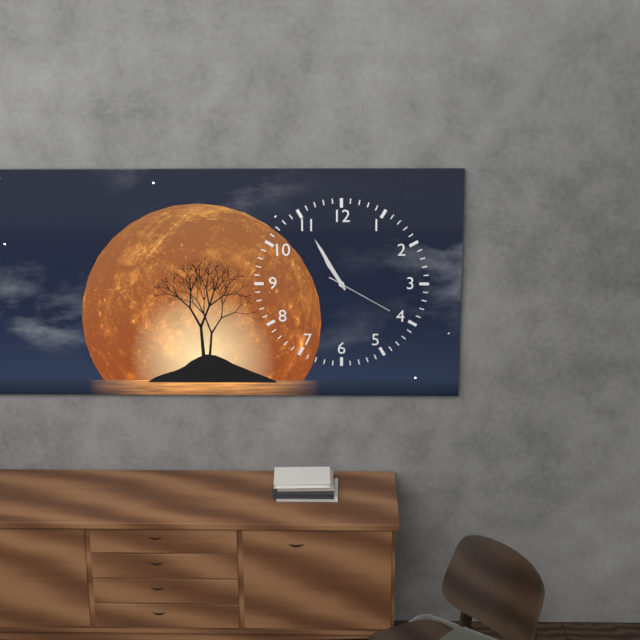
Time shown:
{"hour": 10, "minute": 55, "second": 20}
